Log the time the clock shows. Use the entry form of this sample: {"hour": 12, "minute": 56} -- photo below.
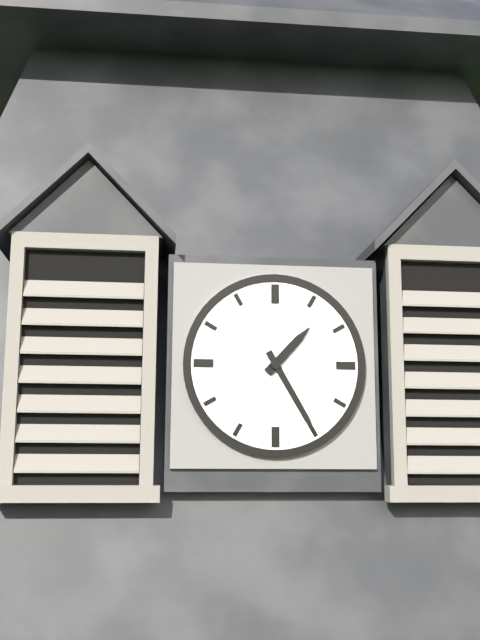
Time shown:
{"hour": 1, "minute": 25}
